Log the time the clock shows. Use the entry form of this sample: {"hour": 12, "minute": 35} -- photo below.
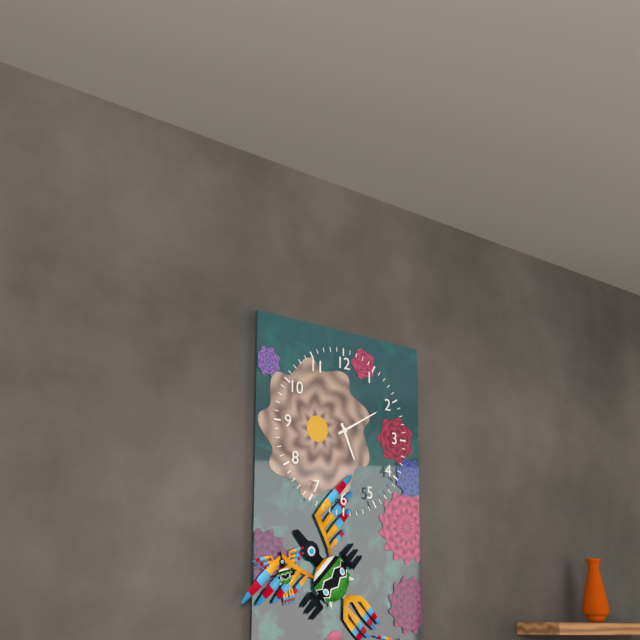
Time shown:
{"hour": 5, "minute": 10}
